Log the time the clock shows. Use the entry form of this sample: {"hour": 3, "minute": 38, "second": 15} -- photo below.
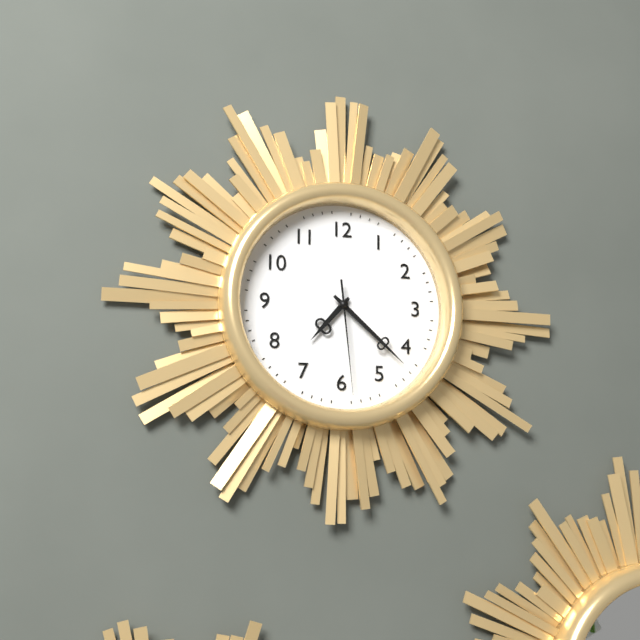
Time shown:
{"hour": 7, "minute": 22, "second": 29}
